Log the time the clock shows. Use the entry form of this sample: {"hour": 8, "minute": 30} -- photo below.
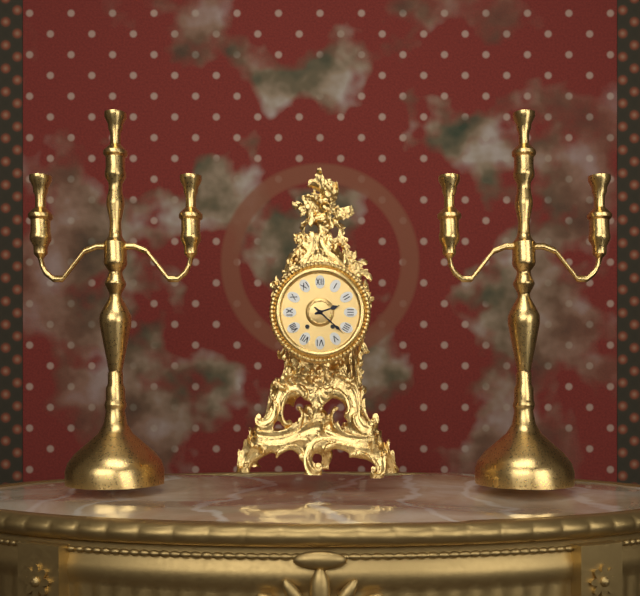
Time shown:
{"hour": 2, "minute": 22}
